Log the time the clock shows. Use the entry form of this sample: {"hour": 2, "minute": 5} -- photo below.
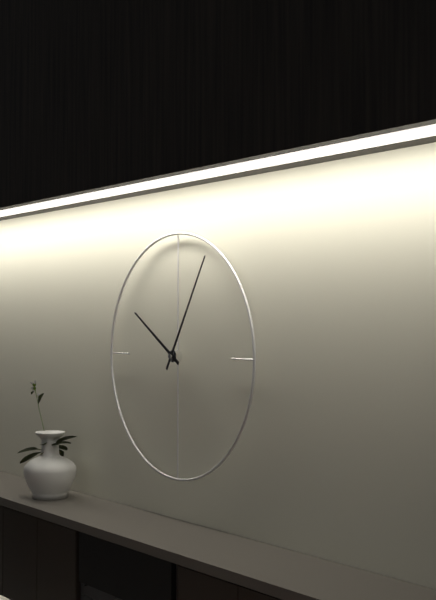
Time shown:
{"hour": 10, "minute": 5}
